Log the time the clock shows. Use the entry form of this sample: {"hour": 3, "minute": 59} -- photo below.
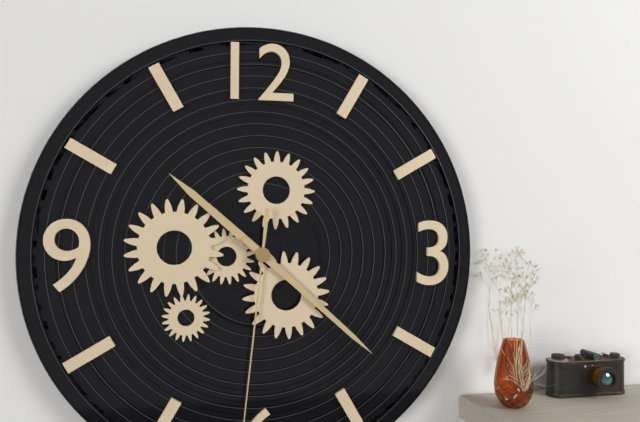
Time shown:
{"hour": 10, "minute": 22}
